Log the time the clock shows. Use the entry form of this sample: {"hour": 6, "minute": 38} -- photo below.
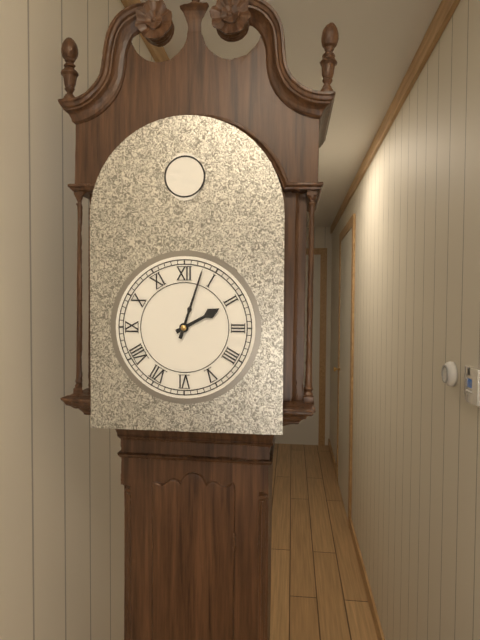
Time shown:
{"hour": 2, "minute": 3}
